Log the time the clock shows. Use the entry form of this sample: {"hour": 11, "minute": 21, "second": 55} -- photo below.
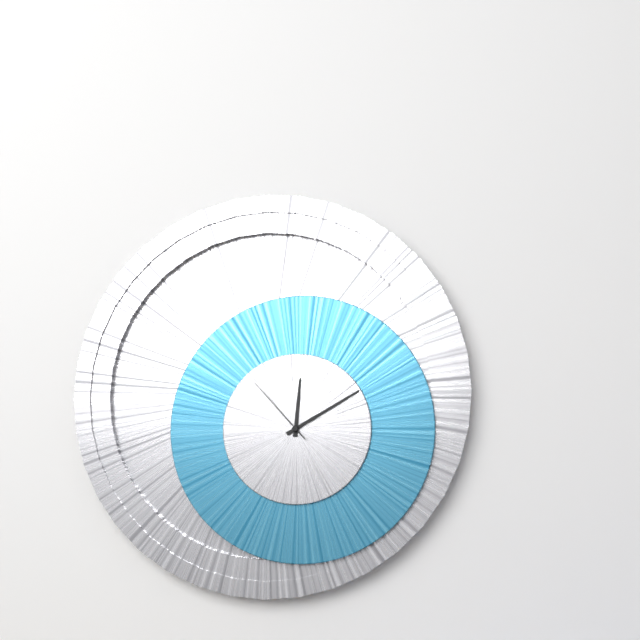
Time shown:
{"hour": 12, "minute": 10, "second": 53}
